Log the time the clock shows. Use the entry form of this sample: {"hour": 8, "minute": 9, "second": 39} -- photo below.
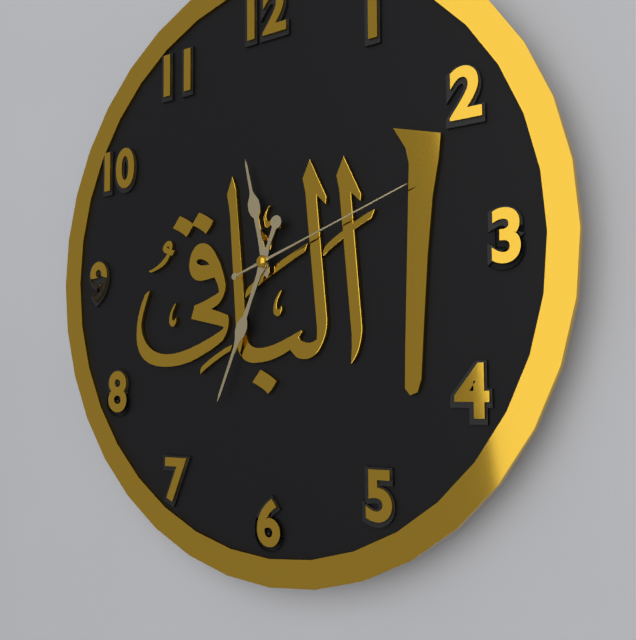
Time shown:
{"hour": 11, "minute": 34, "second": 12}
